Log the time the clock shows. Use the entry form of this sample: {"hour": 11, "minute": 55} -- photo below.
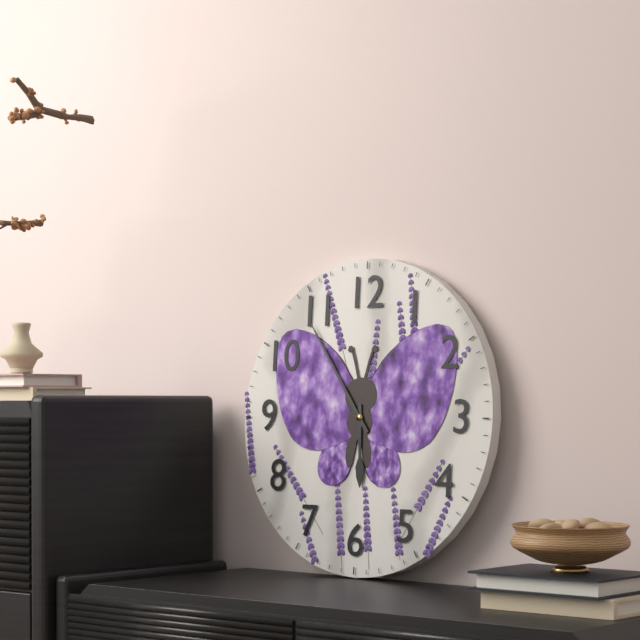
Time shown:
{"hour": 5, "minute": 54}
